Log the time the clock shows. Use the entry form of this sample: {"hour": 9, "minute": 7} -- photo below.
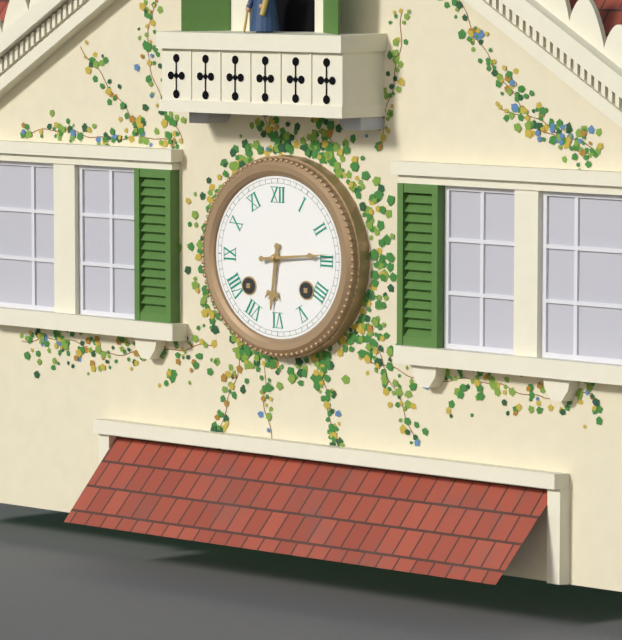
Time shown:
{"hour": 6, "minute": 14}
